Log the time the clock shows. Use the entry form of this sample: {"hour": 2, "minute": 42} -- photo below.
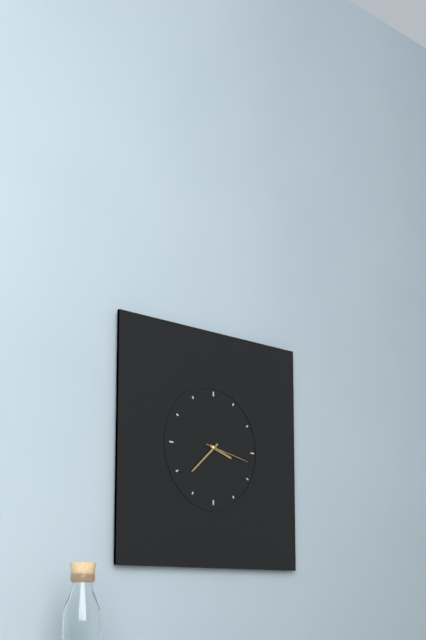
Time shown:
{"hour": 3, "minute": 38}
